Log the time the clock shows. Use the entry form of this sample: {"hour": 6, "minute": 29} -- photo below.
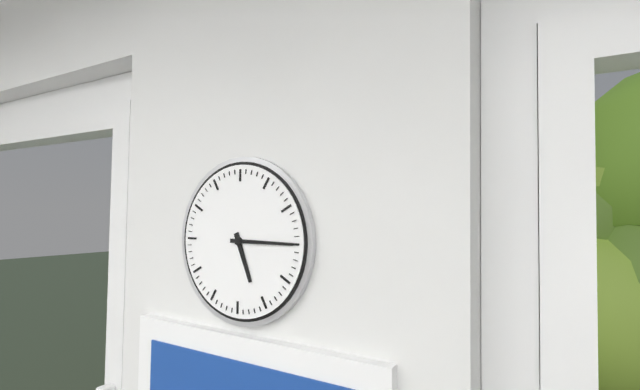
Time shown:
{"hour": 5, "minute": 15}
